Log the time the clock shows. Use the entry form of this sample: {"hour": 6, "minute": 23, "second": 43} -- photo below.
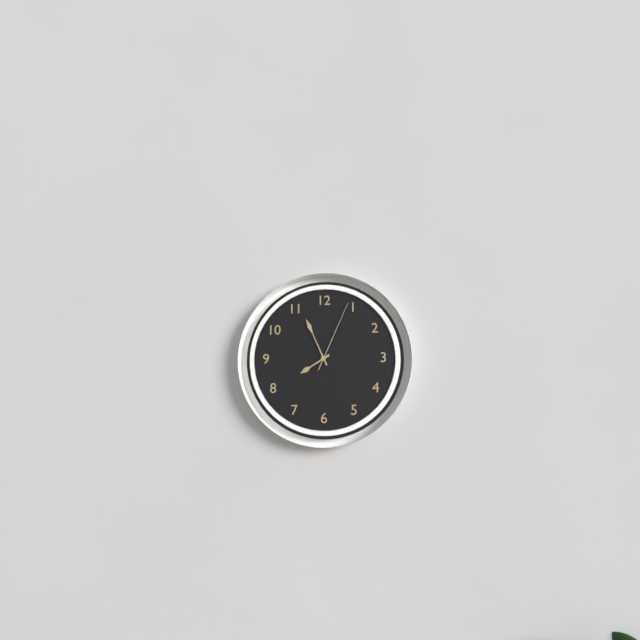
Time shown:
{"hour": 7, "minute": 56, "second": 4}
